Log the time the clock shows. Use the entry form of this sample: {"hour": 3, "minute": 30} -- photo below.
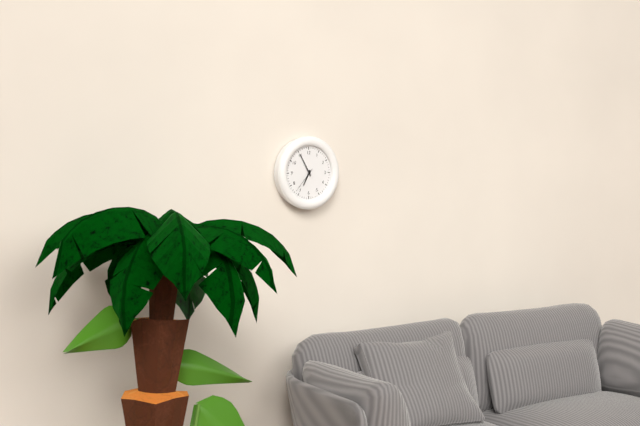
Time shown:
{"hour": 6, "minute": 55}
